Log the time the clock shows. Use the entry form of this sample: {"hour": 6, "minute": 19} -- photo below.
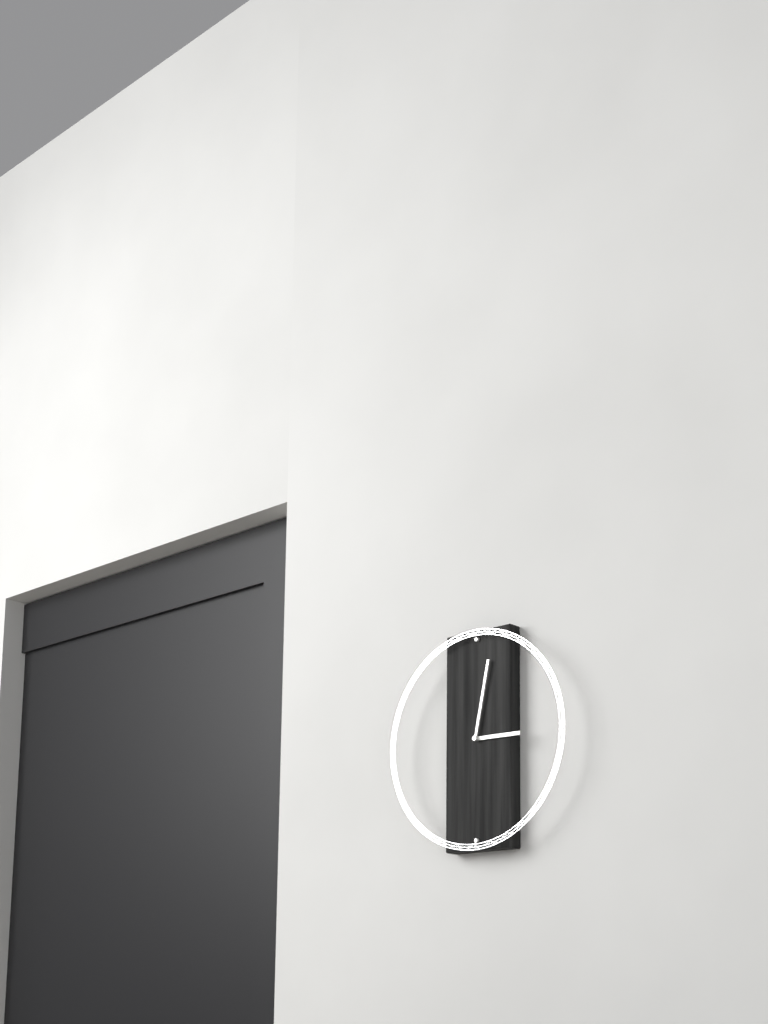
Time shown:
{"hour": 3, "minute": 2}
